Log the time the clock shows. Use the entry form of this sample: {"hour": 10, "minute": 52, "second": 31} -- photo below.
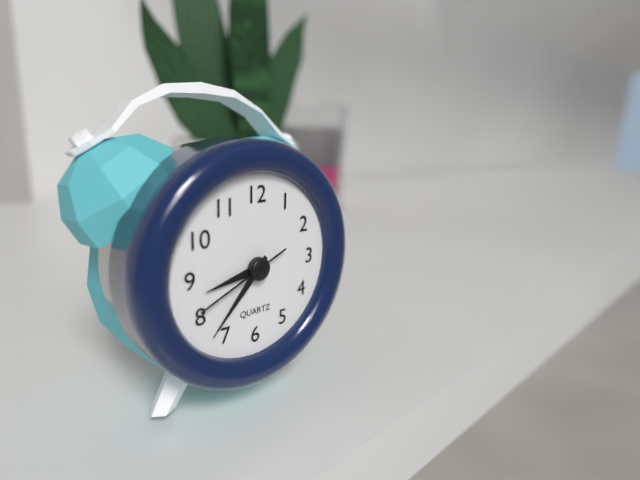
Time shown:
{"hour": 8, "minute": 37, "second": 41}
